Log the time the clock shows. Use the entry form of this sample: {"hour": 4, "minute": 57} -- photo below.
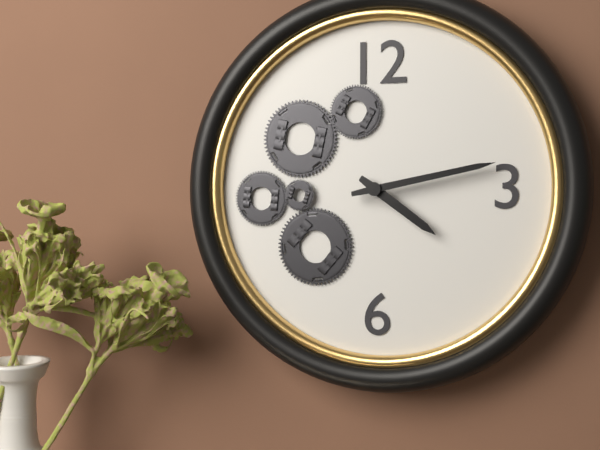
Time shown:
{"hour": 4, "minute": 13}
